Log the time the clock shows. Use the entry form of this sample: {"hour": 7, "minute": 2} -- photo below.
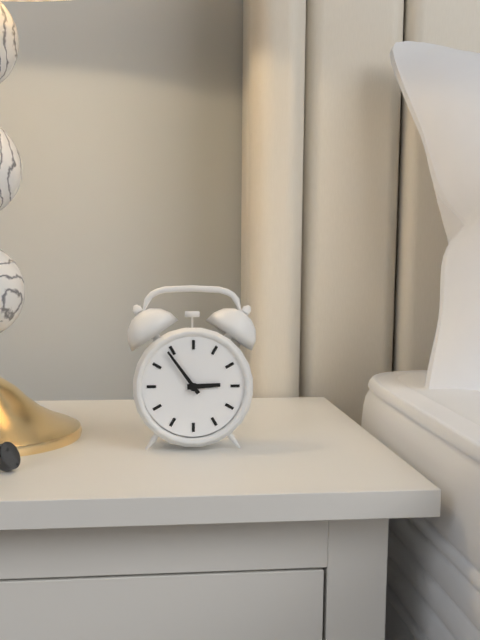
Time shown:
{"hour": 2, "minute": 54}
